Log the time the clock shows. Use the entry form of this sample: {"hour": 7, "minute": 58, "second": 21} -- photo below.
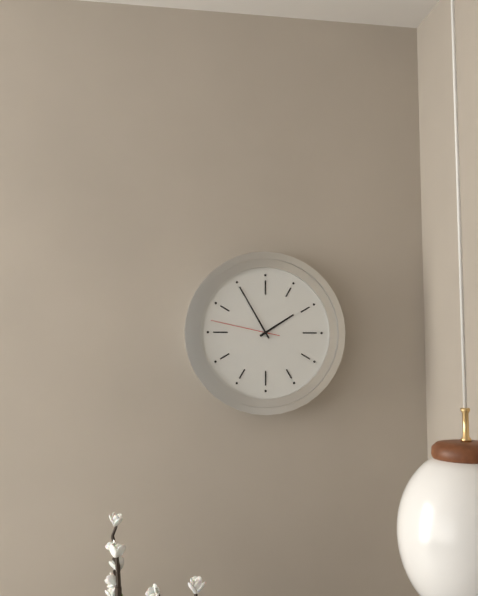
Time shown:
{"hour": 1, "minute": 55, "second": 47}
